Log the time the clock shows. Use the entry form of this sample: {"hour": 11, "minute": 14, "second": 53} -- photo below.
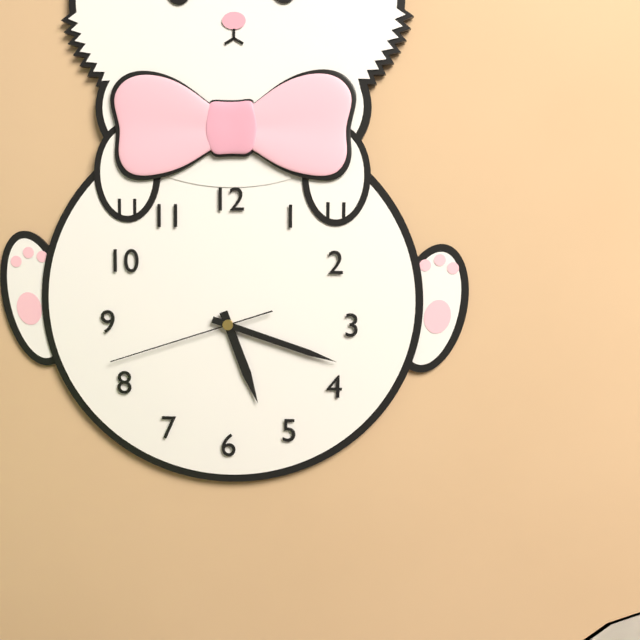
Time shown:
{"hour": 5, "minute": 18, "second": 42}
